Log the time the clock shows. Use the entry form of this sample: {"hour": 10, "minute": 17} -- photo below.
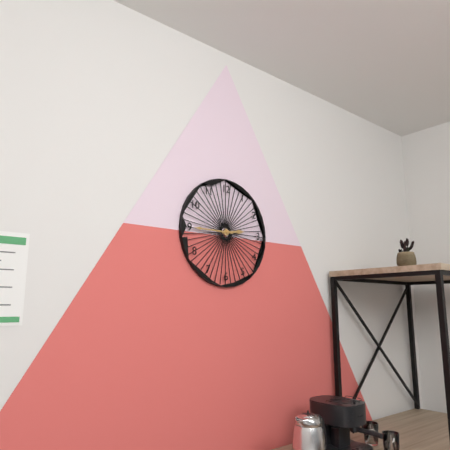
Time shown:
{"hour": 2, "minute": 45}
